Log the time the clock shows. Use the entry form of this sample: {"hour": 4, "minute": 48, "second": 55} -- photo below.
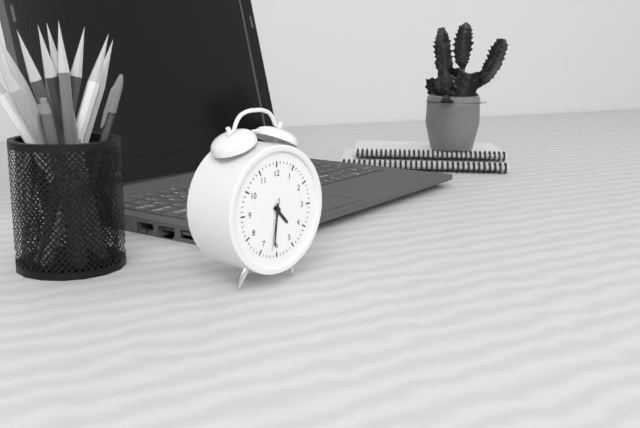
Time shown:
{"hour": 4, "minute": 31, "second": 32}
